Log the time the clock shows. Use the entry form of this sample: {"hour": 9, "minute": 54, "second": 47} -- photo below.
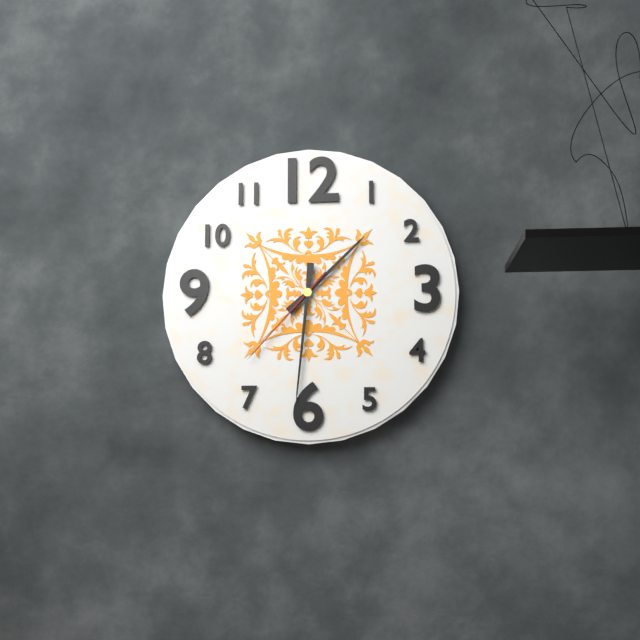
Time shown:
{"hour": 1, "minute": 31, "second": 37}
